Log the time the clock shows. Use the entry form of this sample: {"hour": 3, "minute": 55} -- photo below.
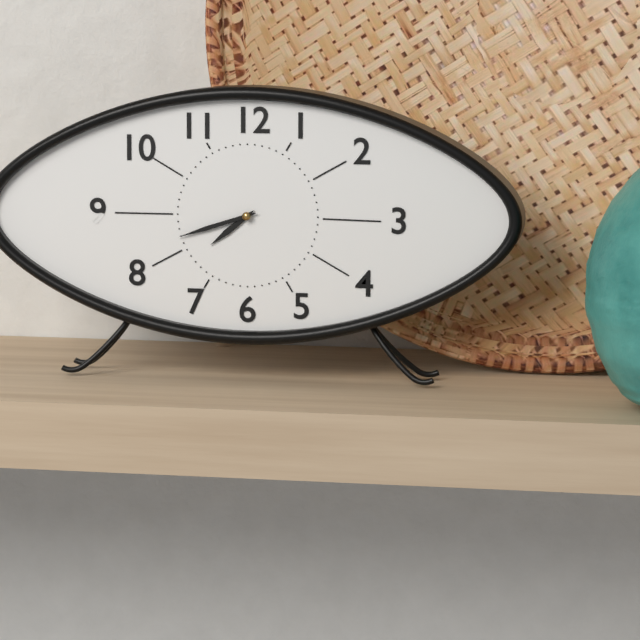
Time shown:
{"hour": 7, "minute": 42}
